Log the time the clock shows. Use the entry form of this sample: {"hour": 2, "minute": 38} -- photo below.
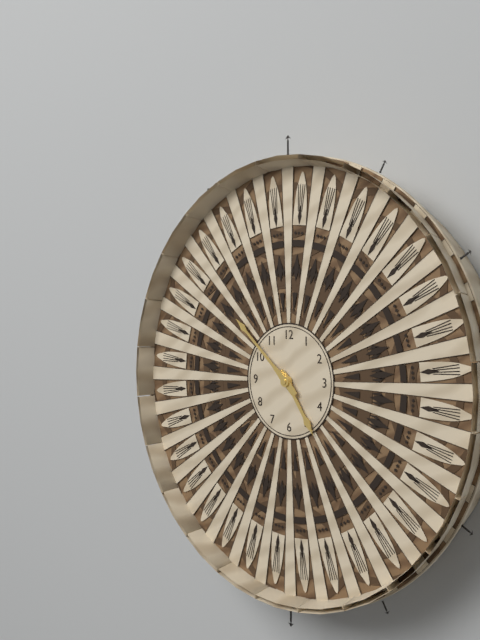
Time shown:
{"hour": 4, "minute": 52}
